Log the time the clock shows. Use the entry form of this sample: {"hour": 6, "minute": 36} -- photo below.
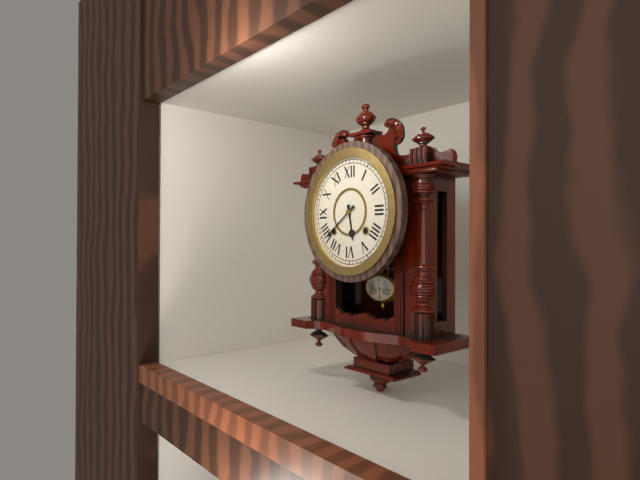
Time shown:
{"hour": 5, "minute": 39}
